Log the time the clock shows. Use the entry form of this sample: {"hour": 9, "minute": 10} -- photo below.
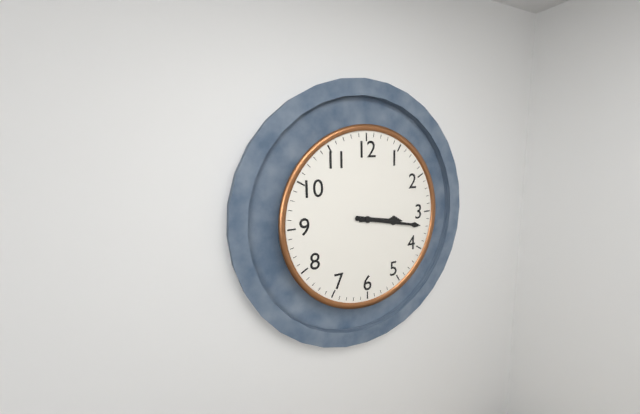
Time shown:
{"hour": 3, "minute": 17}
